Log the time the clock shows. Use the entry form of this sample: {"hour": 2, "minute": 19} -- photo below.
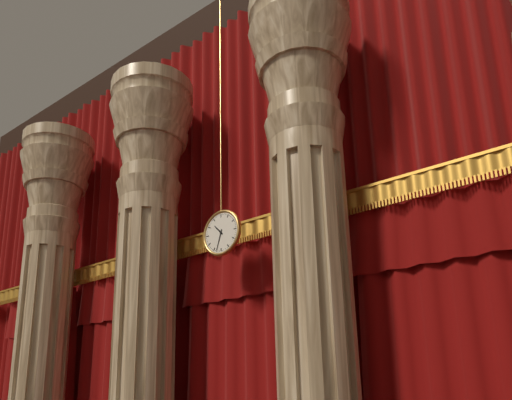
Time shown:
{"hour": 10, "minute": 33}
